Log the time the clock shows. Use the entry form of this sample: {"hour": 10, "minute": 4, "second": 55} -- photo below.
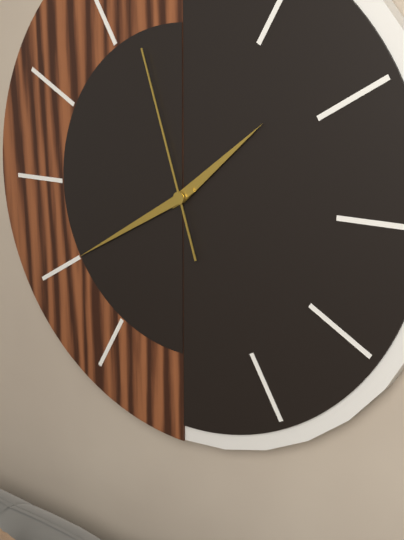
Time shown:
{"hour": 1, "minute": 40, "second": 57}
